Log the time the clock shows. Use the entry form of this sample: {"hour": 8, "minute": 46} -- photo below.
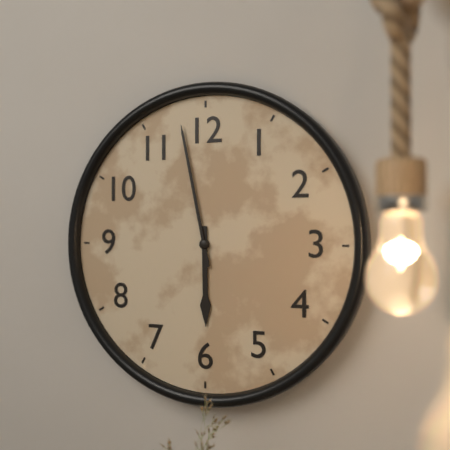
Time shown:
{"hour": 5, "minute": 58}
